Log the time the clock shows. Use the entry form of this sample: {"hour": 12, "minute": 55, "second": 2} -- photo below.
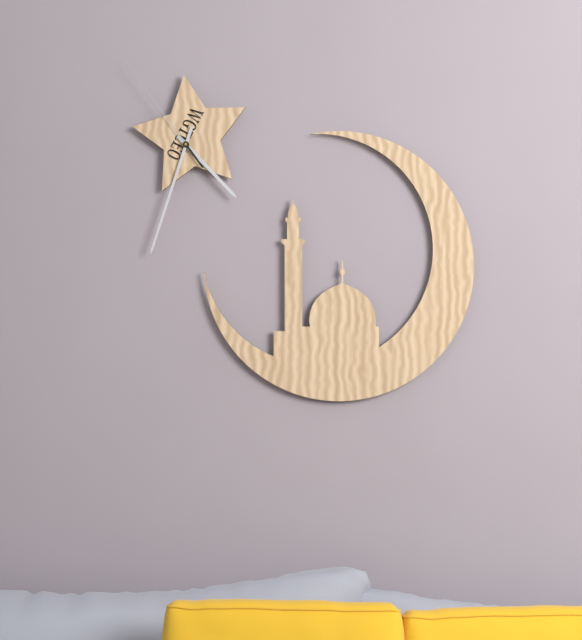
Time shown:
{"hour": 4, "minute": 33, "second": 54}
